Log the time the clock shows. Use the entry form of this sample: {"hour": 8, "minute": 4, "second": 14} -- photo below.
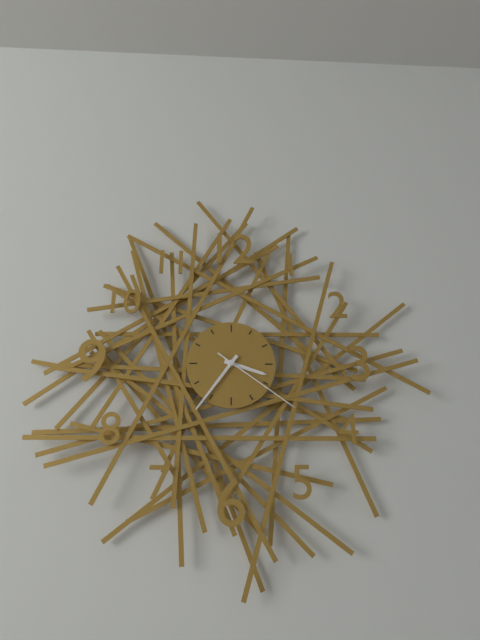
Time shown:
{"hour": 3, "minute": 36, "second": 21}
